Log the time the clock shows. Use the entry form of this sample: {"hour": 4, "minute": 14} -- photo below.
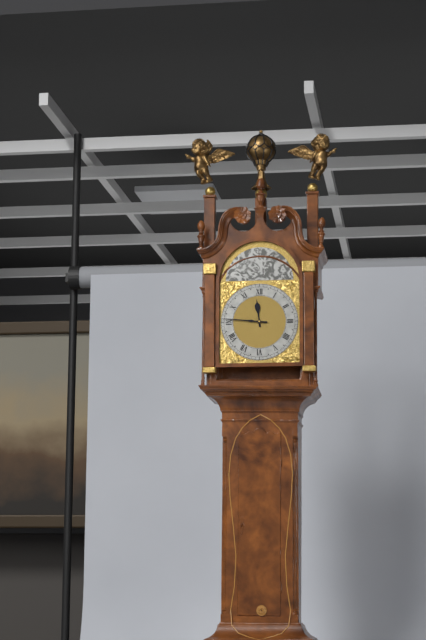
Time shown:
{"hour": 11, "minute": 46}
